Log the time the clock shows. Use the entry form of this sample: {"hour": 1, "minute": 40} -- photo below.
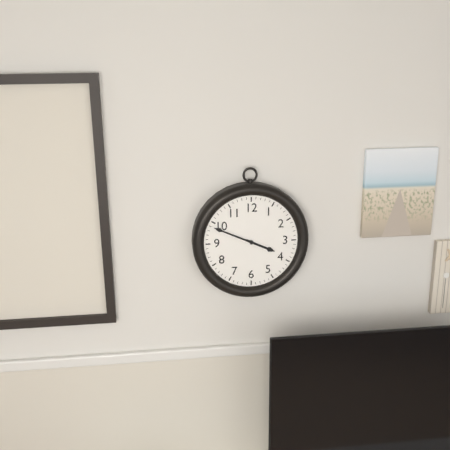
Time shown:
{"hour": 3, "minute": 49}
